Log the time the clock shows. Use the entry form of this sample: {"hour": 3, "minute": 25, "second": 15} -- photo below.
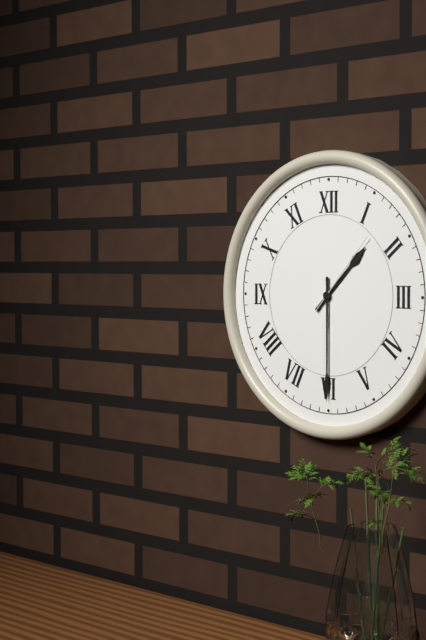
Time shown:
{"hour": 1, "minute": 30, "second": 7}
